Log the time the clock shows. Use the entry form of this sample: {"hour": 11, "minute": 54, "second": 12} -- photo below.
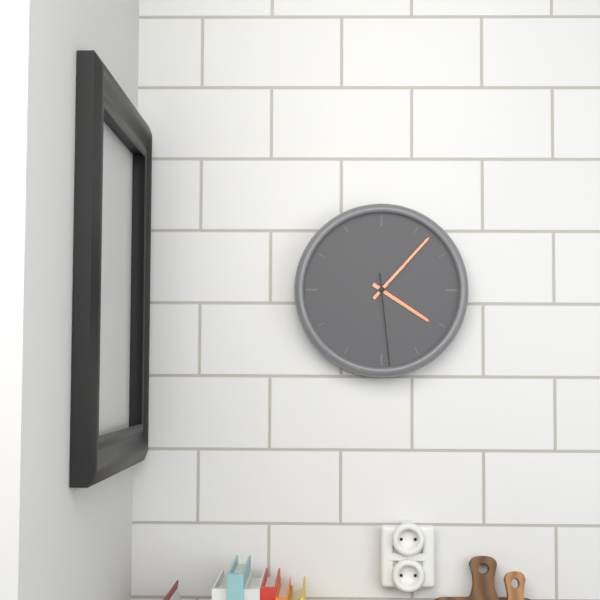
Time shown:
{"hour": 4, "minute": 7, "second": 29}
